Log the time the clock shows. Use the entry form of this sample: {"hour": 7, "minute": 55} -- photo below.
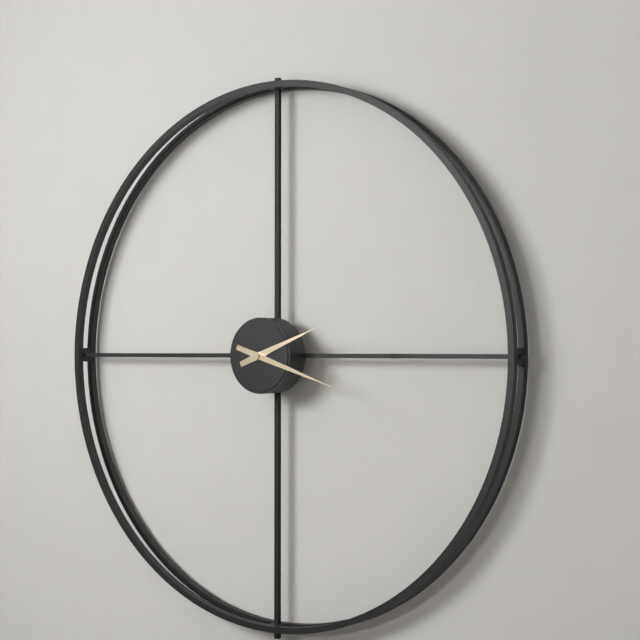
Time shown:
{"hour": 2, "minute": 18}
